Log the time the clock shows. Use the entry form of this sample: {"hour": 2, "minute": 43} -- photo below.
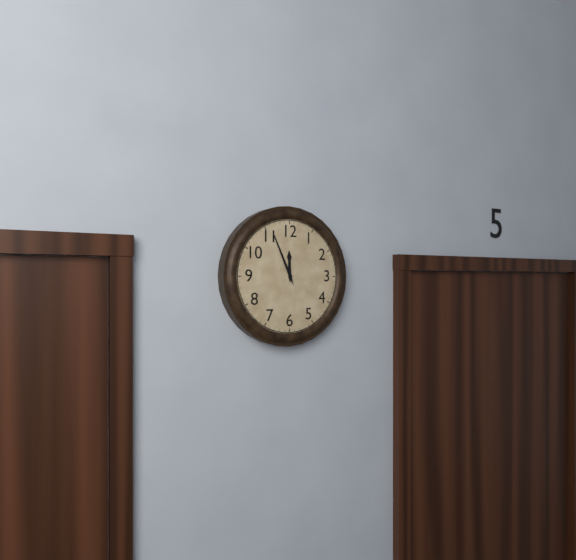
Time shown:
{"hour": 11, "minute": 56}
